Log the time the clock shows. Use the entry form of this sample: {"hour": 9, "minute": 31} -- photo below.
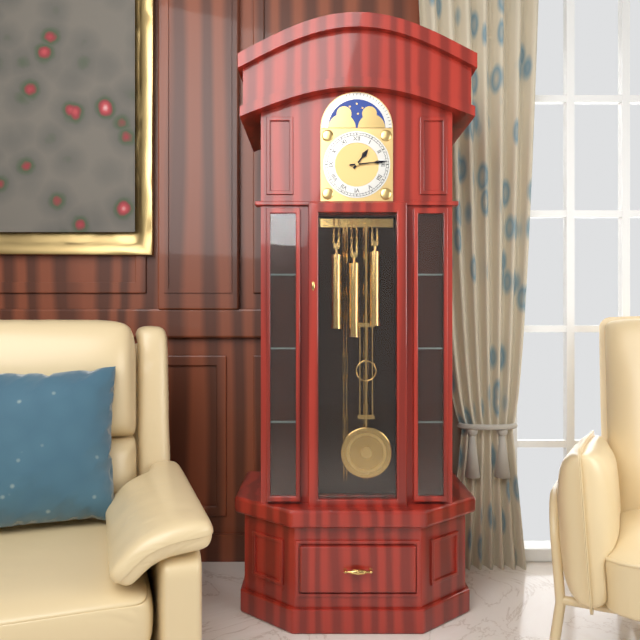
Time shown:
{"hour": 1, "minute": 14}
